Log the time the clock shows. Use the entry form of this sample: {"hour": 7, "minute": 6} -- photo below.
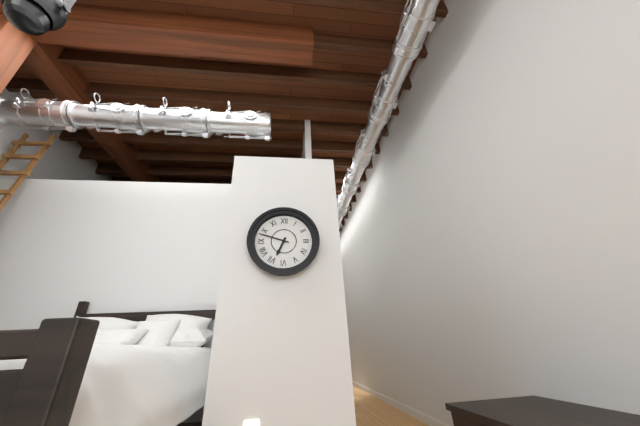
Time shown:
{"hour": 6, "minute": 48}
